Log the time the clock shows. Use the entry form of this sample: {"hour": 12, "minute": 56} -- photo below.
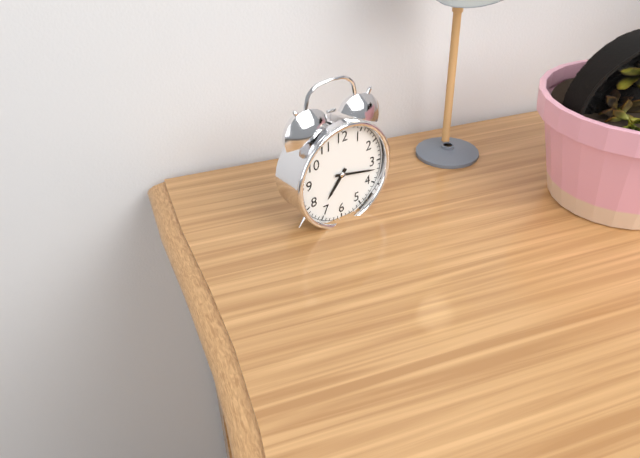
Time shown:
{"hour": 7, "minute": 17}
